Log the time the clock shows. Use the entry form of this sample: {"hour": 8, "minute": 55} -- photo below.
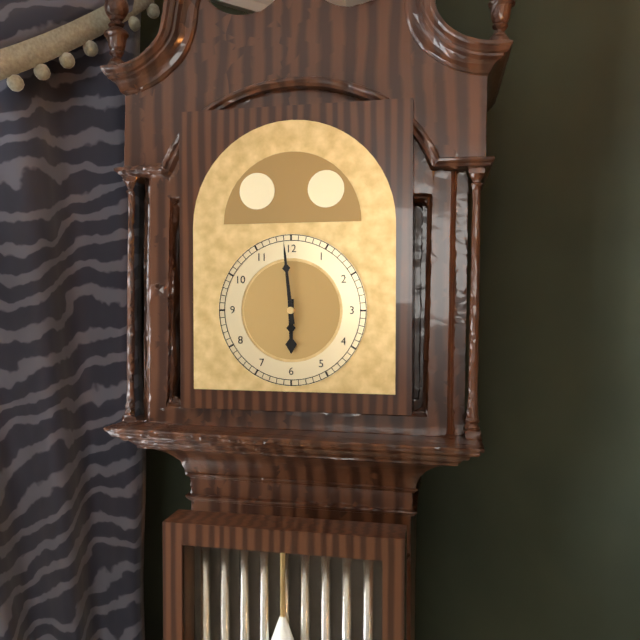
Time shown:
{"hour": 5, "minute": 59}
